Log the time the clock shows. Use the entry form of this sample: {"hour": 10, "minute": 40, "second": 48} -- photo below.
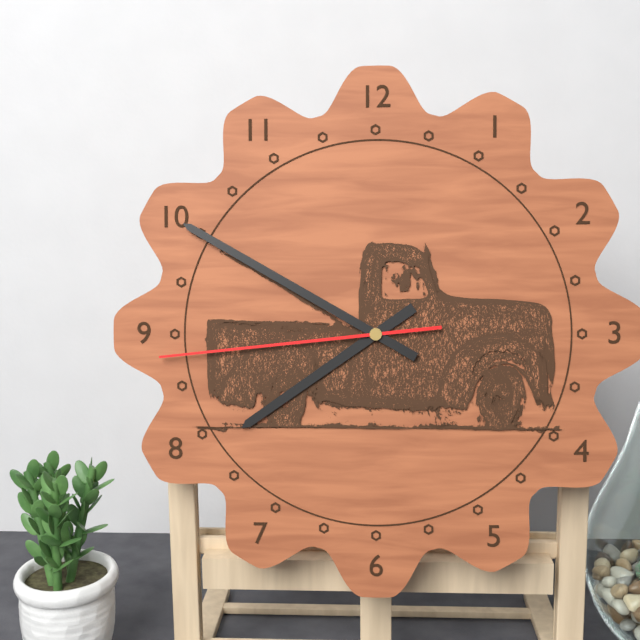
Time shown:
{"hour": 7, "minute": 50, "second": 44}
